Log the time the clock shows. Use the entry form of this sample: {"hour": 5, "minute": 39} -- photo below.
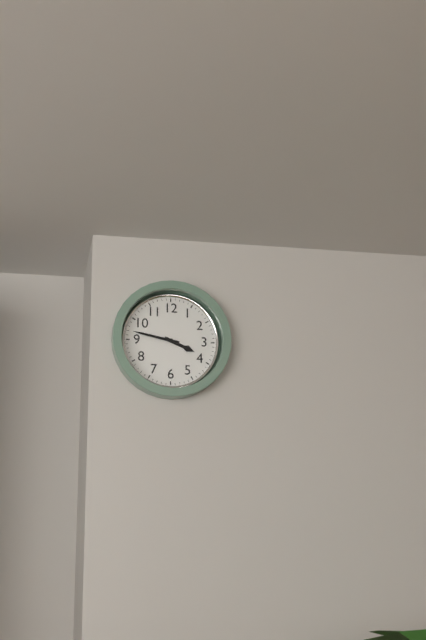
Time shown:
{"hour": 3, "minute": 47}
